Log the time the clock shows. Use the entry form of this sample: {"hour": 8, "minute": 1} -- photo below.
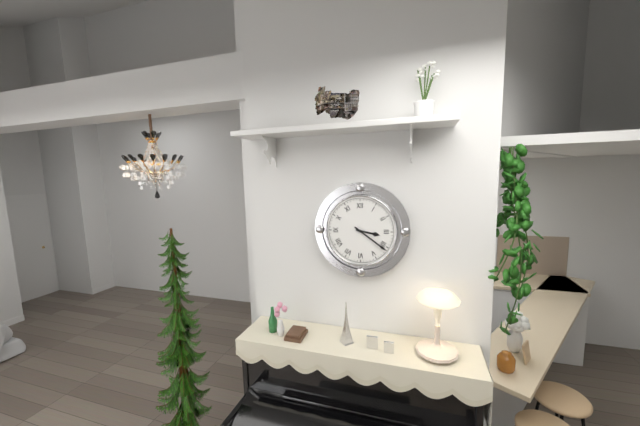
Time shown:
{"hour": 3, "minute": 21}
